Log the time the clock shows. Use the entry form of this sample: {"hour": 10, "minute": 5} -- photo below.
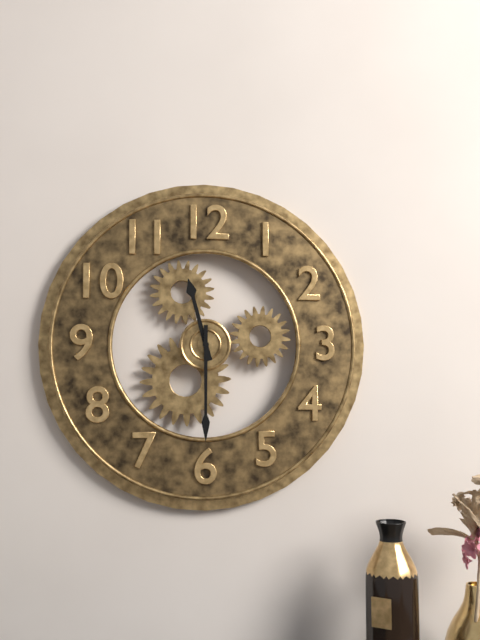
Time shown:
{"hour": 11, "minute": 30}
